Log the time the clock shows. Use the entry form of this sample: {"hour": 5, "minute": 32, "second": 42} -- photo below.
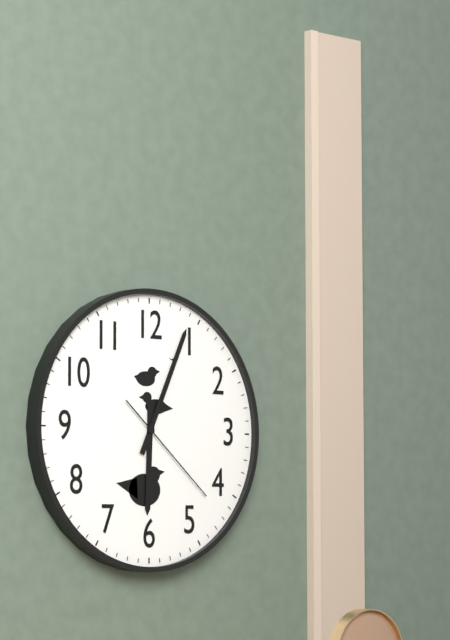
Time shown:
{"hour": 6, "minute": 4, "second": 22}
